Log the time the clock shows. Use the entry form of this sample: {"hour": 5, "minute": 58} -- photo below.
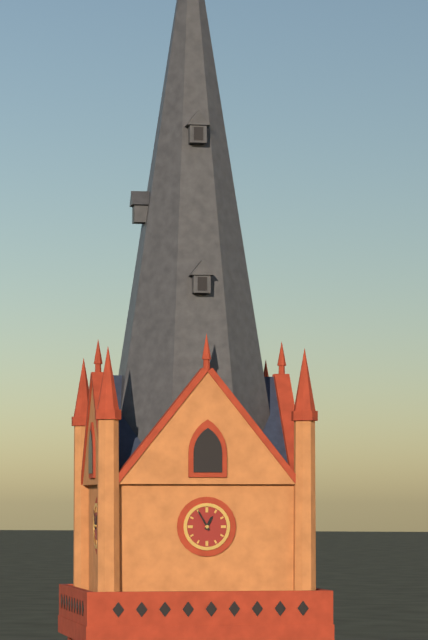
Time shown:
{"hour": 12, "minute": 55}
